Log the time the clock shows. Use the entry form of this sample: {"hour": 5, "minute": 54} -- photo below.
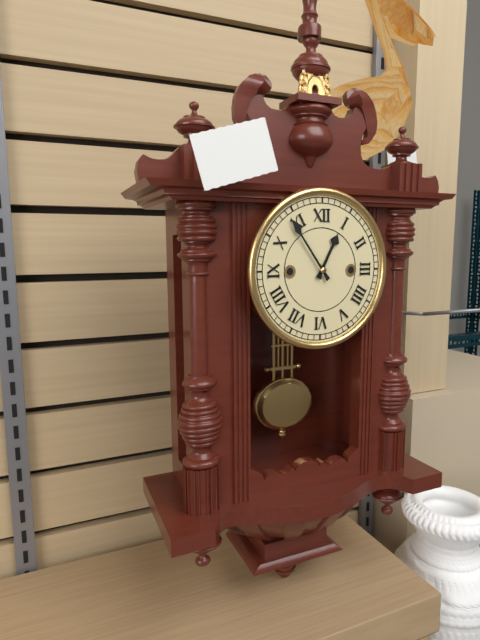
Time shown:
{"hour": 12, "minute": 54}
